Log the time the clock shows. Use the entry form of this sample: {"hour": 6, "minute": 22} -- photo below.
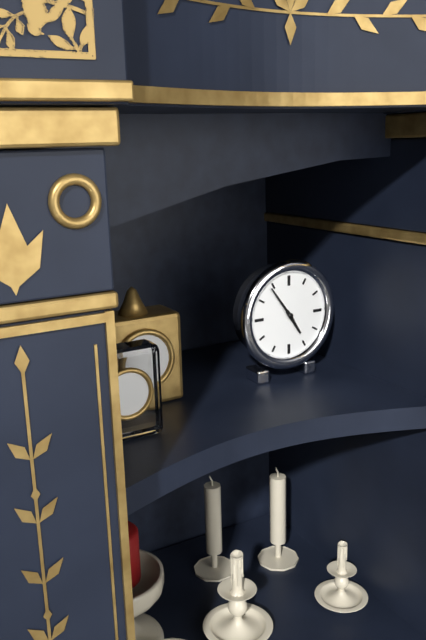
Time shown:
{"hour": 4, "minute": 54}
